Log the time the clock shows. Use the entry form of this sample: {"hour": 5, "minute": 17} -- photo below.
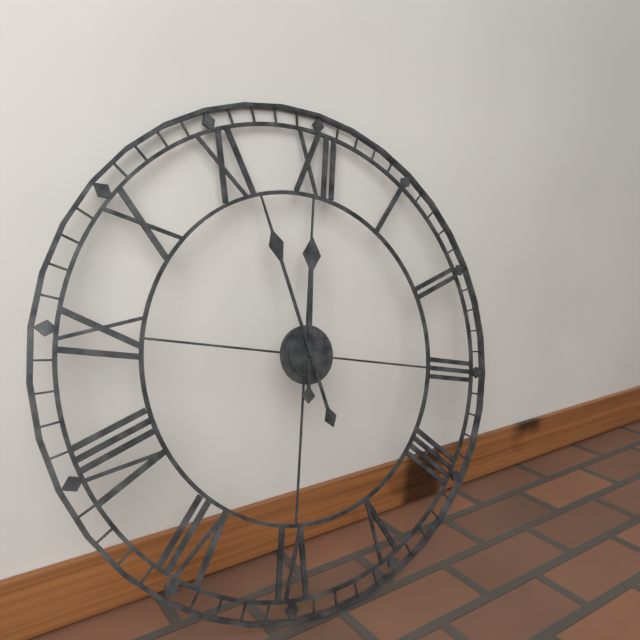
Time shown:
{"hour": 11, "minute": 56}
